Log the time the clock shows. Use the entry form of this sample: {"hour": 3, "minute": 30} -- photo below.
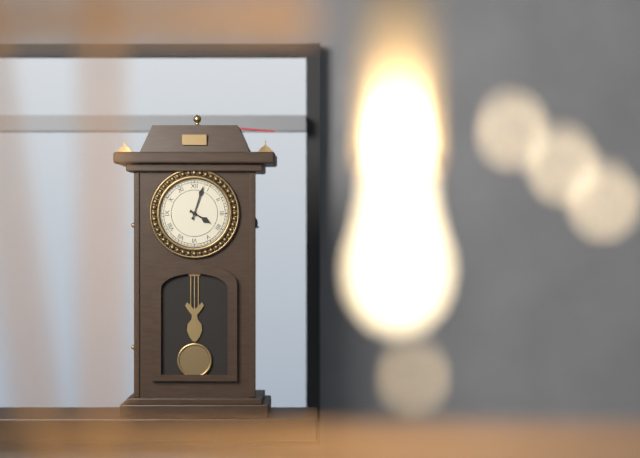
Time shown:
{"hour": 4, "minute": 3}
